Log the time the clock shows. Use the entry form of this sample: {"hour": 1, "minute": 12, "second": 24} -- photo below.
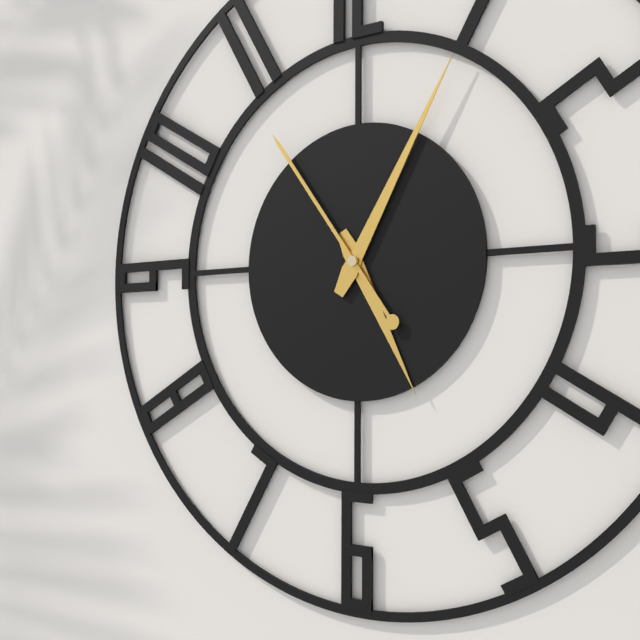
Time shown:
{"hour": 5, "minute": 5, "second": 54}
